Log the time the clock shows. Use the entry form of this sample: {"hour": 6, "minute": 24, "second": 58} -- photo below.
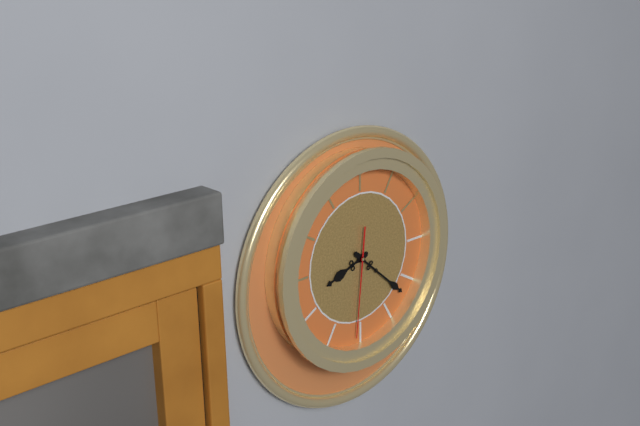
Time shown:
{"hour": 8, "minute": 22, "second": 31}
